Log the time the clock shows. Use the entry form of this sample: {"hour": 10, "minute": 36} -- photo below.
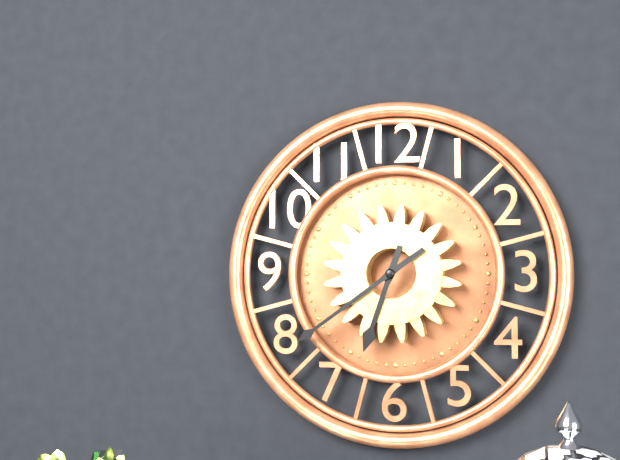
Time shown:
{"hour": 6, "minute": 39}
